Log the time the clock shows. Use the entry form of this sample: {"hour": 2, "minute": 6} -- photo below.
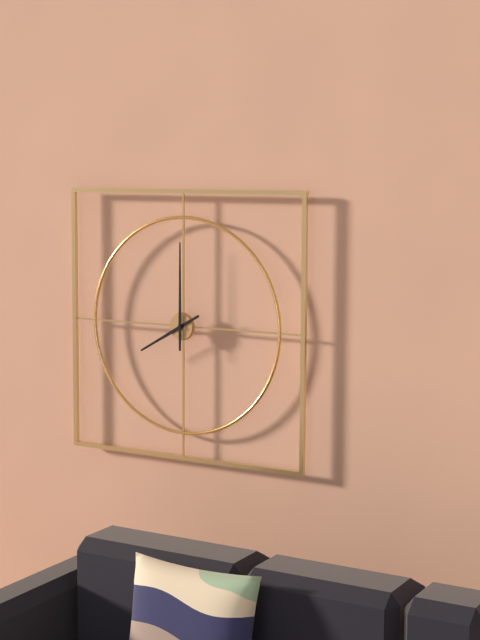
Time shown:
{"hour": 8, "minute": 0}
